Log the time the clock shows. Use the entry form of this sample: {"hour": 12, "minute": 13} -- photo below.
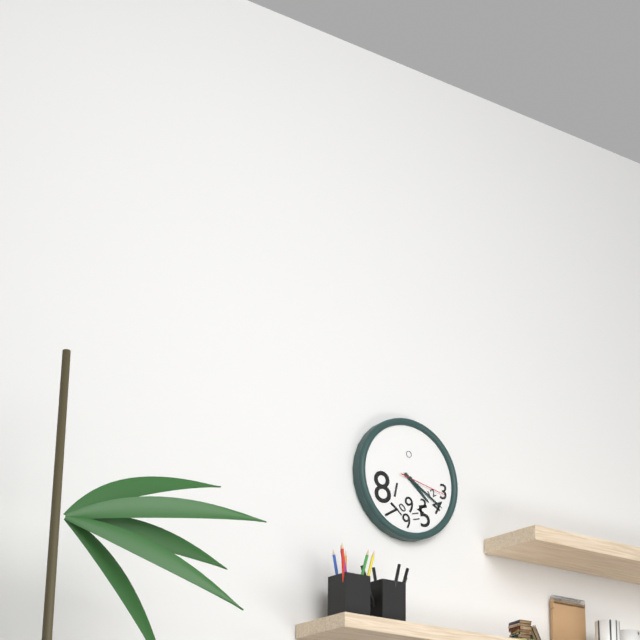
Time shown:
{"hour": 4, "minute": 20}
